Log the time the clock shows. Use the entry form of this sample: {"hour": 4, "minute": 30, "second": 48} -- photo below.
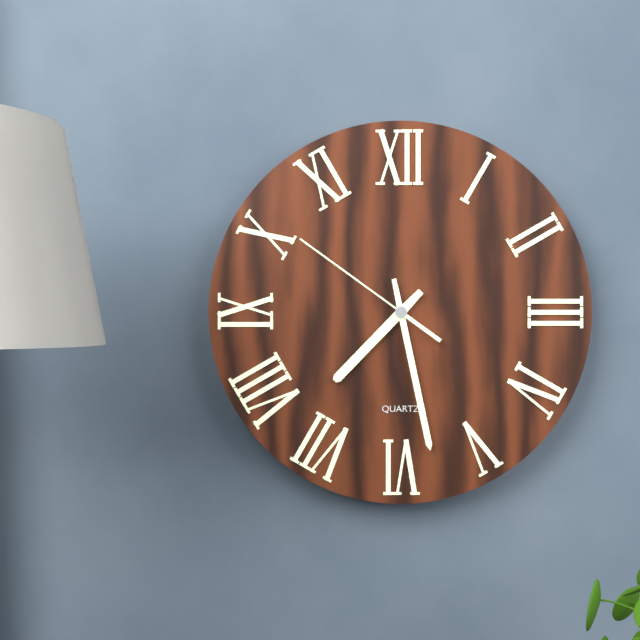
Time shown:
{"hour": 7, "minute": 28, "second": 51}
